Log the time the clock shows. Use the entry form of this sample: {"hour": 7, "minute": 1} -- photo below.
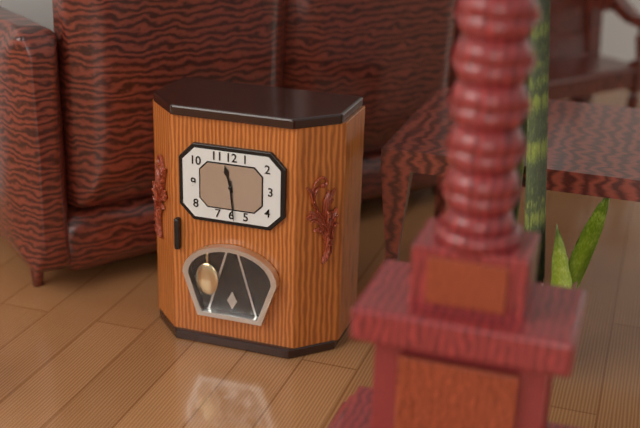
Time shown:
{"hour": 11, "minute": 29}
